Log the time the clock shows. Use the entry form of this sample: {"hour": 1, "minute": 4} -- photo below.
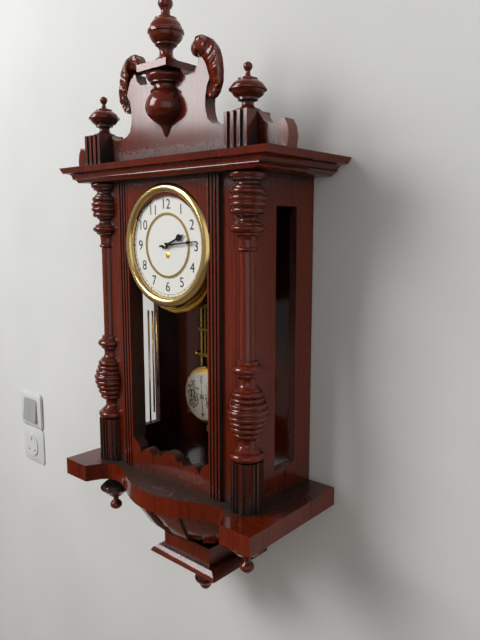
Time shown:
{"hour": 2, "minute": 14}
